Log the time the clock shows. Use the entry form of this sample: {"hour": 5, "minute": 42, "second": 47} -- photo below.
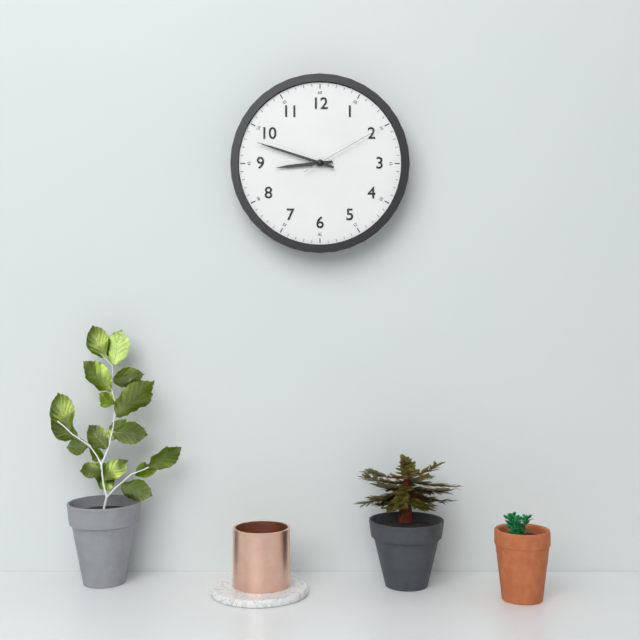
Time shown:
{"hour": 8, "minute": 48, "second": 10}
